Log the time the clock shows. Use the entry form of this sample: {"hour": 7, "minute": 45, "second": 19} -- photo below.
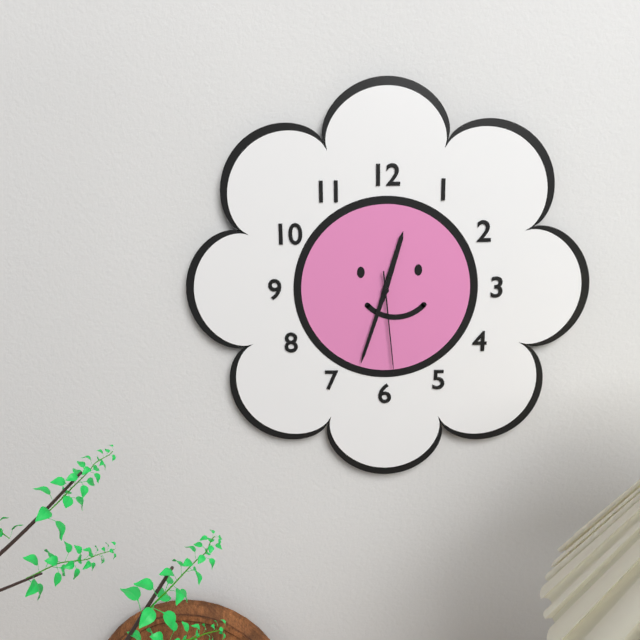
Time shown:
{"hour": 12, "minute": 33, "second": 29}
